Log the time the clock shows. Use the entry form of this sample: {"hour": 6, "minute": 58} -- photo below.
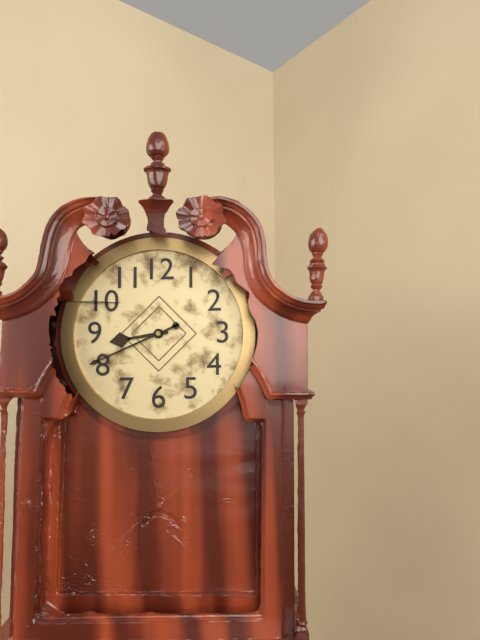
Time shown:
{"hour": 8, "minute": 41}
